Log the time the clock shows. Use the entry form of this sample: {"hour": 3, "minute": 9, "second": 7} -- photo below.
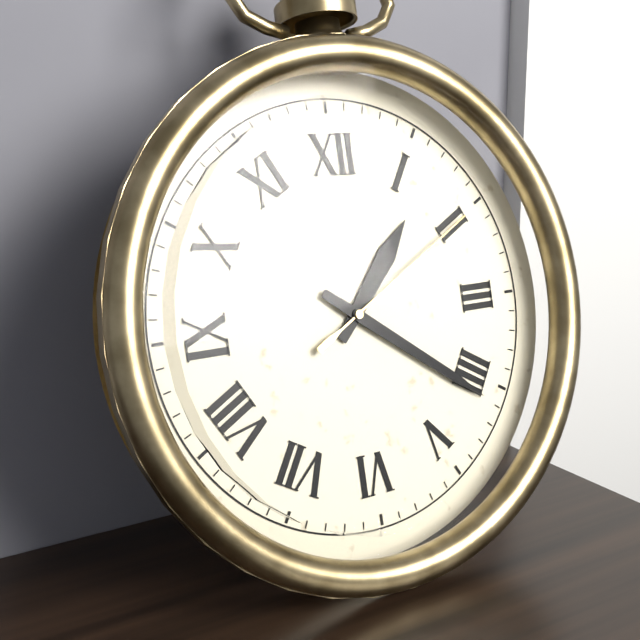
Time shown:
{"hour": 1, "minute": 21, "second": 10}
